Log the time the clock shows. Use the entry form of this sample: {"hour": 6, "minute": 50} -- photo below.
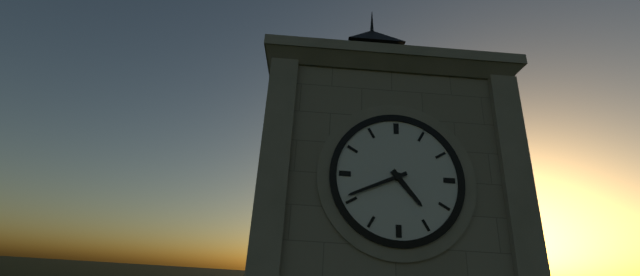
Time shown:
{"hour": 4, "minute": 41}
